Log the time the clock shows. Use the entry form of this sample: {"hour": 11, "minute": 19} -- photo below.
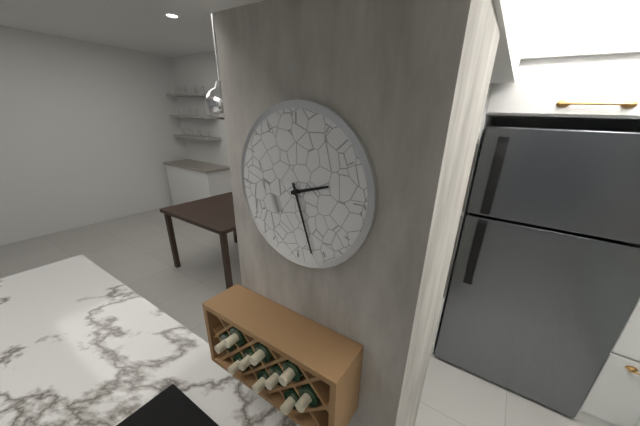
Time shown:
{"hour": 2, "minute": 27}
